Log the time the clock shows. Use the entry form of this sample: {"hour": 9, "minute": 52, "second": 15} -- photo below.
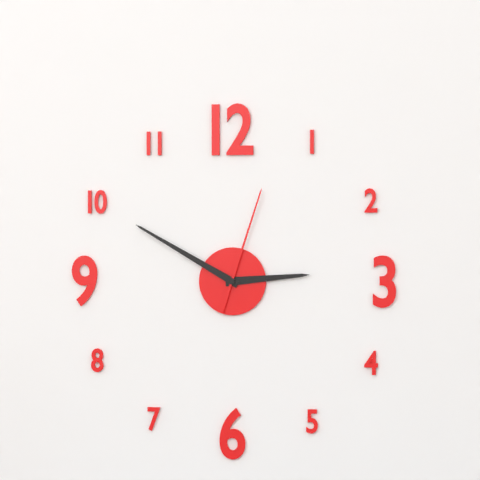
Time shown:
{"hour": 2, "minute": 50, "second": 3}
